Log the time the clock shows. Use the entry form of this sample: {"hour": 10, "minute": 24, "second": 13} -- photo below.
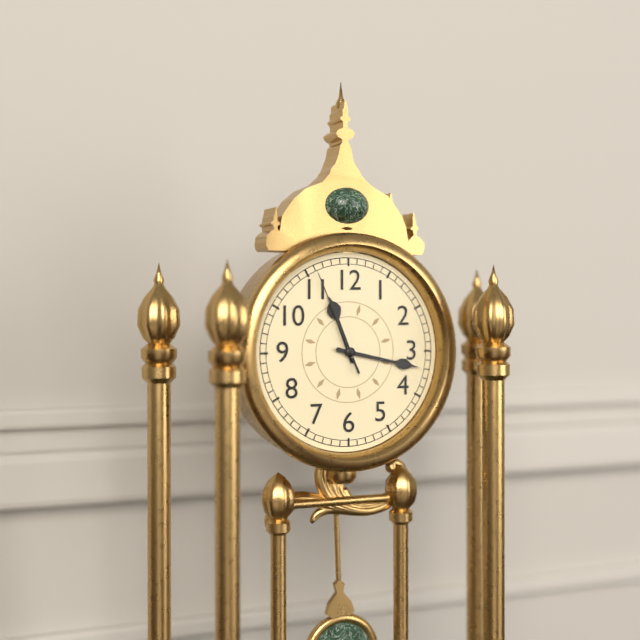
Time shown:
{"hour": 11, "minute": 17, "second": 56}
